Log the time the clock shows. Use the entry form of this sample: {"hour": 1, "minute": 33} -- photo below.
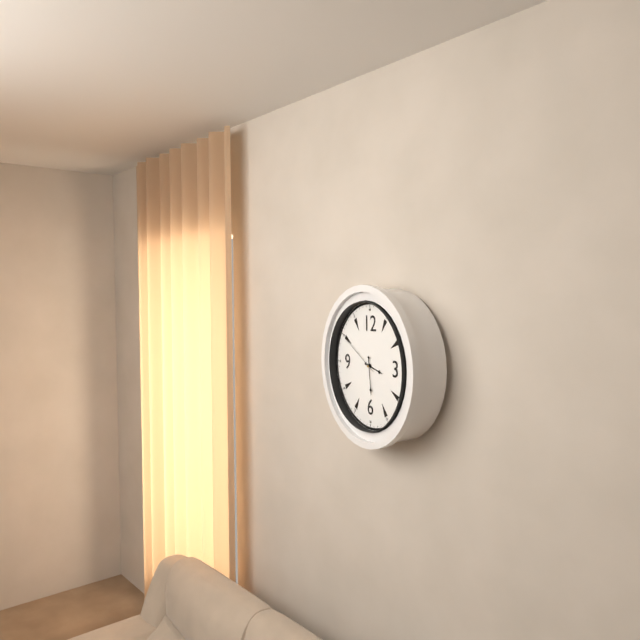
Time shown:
{"hour": 3, "minute": 29}
